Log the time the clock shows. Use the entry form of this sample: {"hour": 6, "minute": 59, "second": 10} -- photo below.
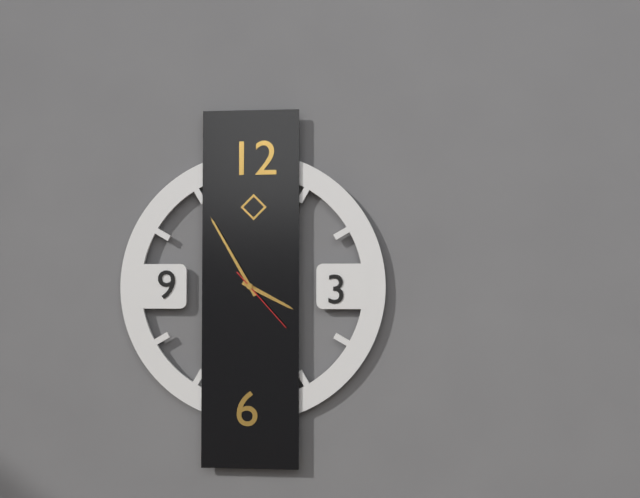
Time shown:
{"hour": 3, "minute": 55, "second": 23}
